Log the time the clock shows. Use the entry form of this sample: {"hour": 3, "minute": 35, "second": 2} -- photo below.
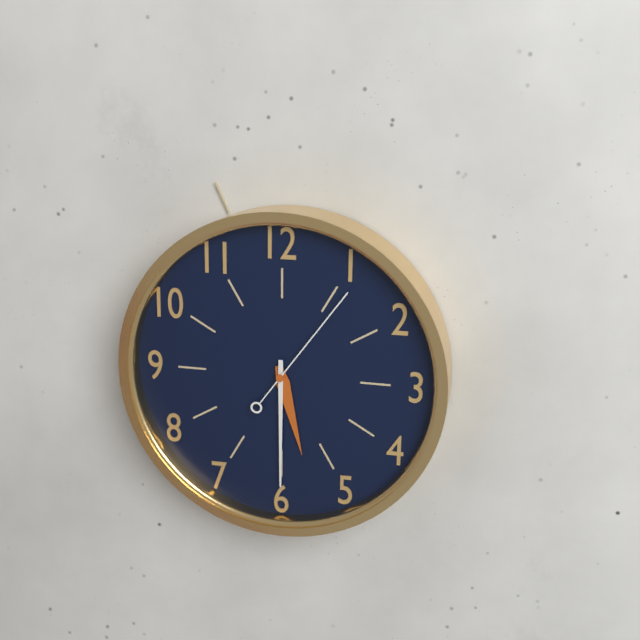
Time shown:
{"hour": 5, "minute": 30, "second": 6}
